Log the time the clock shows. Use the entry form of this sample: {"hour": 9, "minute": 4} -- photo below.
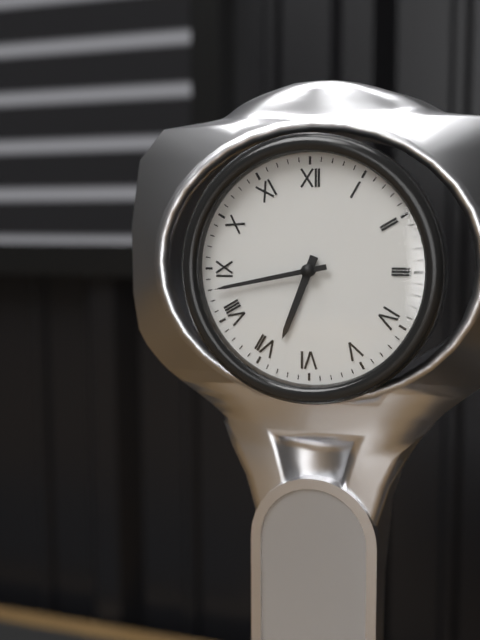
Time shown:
{"hour": 6, "minute": 43}
